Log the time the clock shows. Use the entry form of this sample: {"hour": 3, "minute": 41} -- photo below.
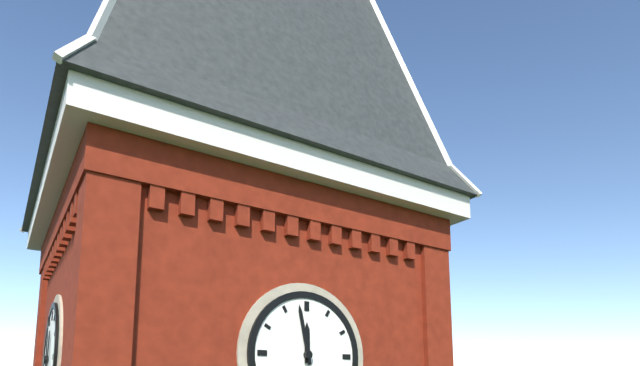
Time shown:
{"hour": 11, "minute": 58}
